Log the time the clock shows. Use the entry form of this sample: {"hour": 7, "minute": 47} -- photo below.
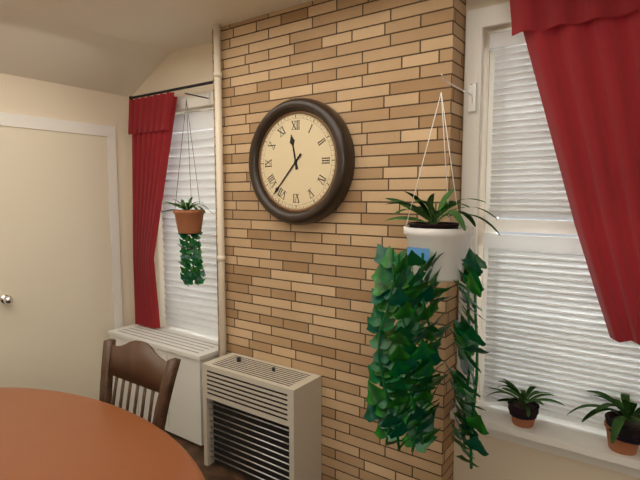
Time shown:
{"hour": 11, "minute": 37}
